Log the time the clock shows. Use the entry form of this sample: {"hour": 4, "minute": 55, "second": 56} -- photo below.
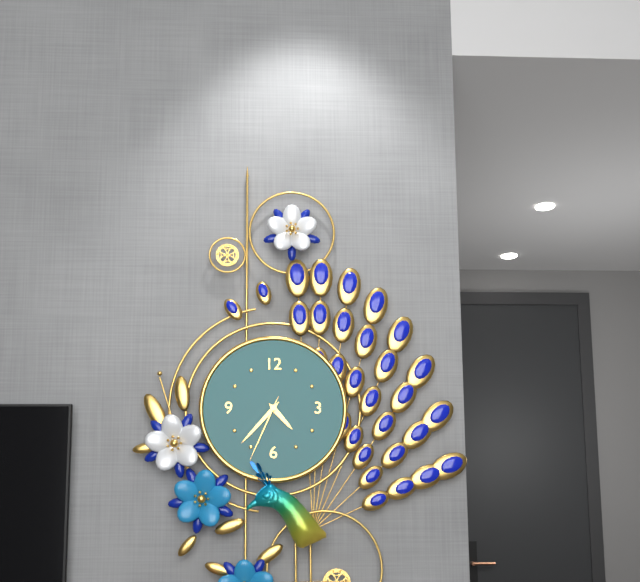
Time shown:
{"hour": 4, "minute": 37, "second": 34}
